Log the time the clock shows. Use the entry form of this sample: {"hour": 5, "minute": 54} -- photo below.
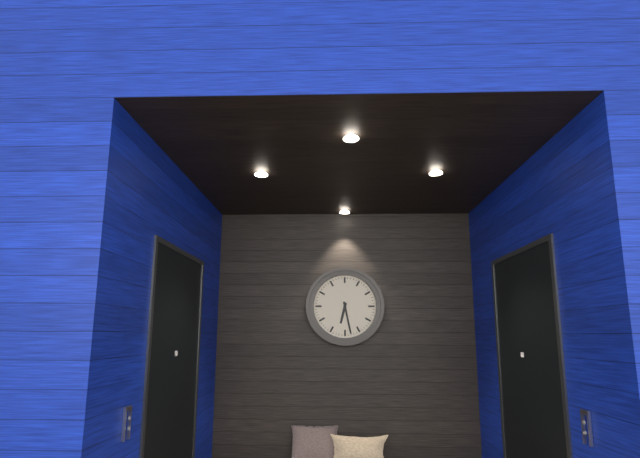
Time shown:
{"hour": 6, "minute": 28}
